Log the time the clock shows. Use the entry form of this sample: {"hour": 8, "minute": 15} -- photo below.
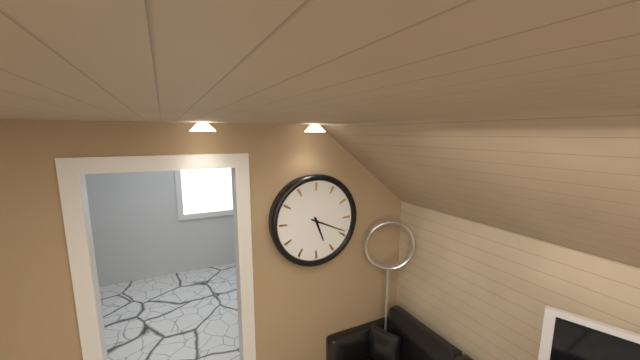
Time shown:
{"hour": 5, "minute": 19}
